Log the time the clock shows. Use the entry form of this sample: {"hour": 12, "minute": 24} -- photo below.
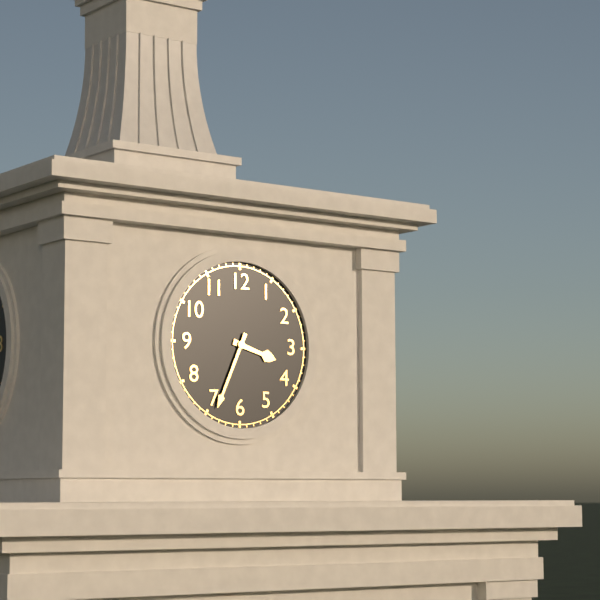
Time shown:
{"hour": 3, "minute": 34}
